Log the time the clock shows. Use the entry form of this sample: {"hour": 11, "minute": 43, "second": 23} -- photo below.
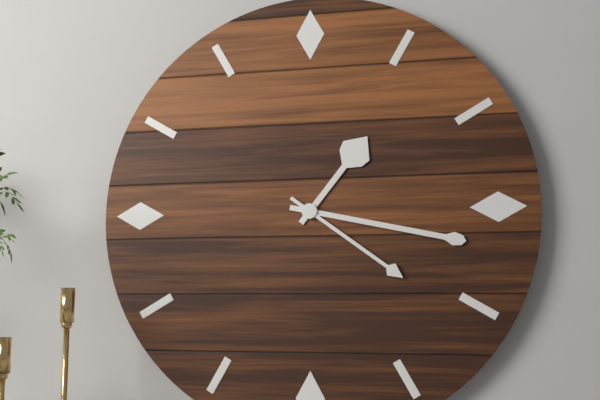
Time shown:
{"hour": 1, "minute": 17, "second": 21}
